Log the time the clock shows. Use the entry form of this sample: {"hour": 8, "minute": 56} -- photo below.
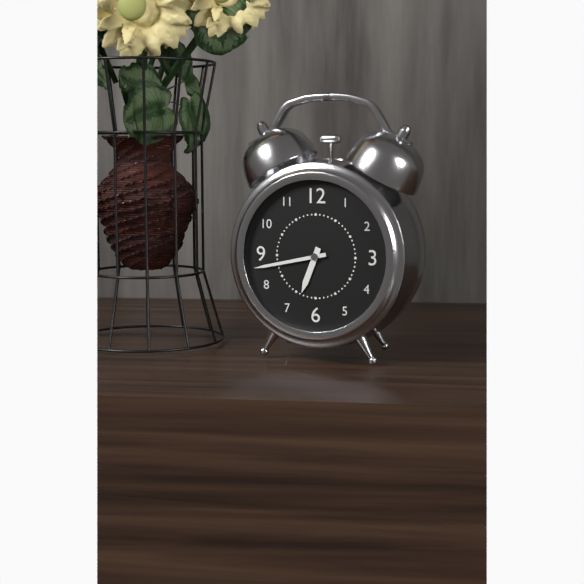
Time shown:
{"hour": 6, "minute": 43}
